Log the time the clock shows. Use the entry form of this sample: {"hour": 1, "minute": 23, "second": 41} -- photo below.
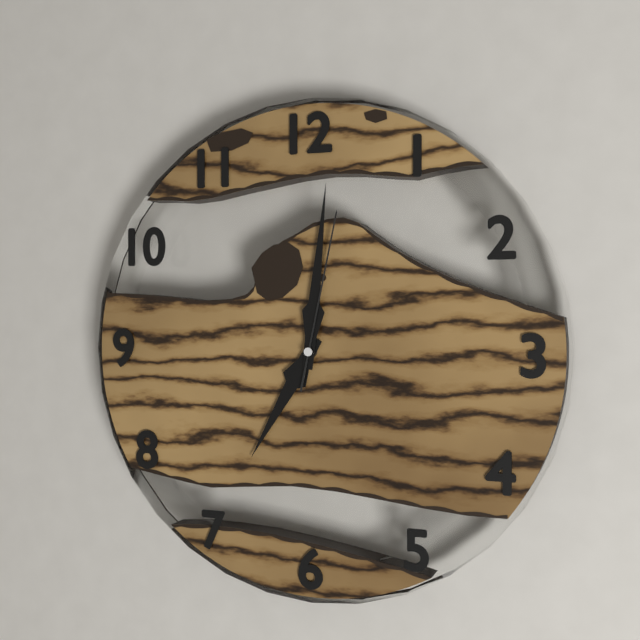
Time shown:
{"hour": 7, "minute": 1, "second": 2}
